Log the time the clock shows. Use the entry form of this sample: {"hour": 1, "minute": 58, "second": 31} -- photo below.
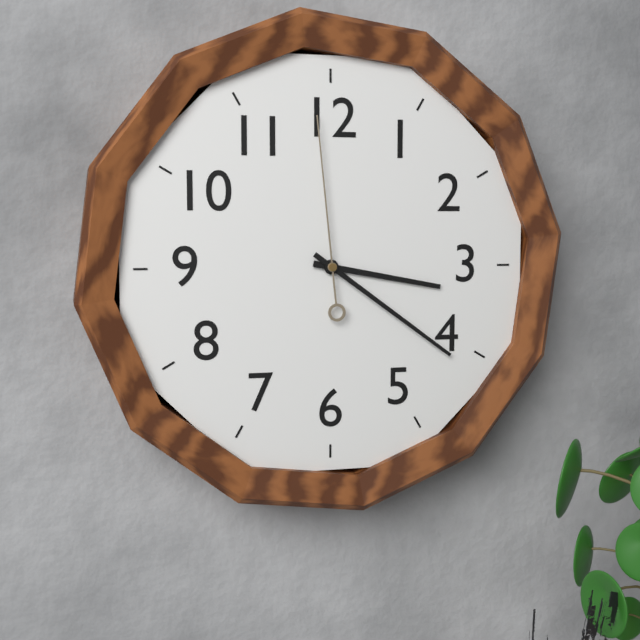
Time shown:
{"hour": 3, "minute": 21, "second": 59}
